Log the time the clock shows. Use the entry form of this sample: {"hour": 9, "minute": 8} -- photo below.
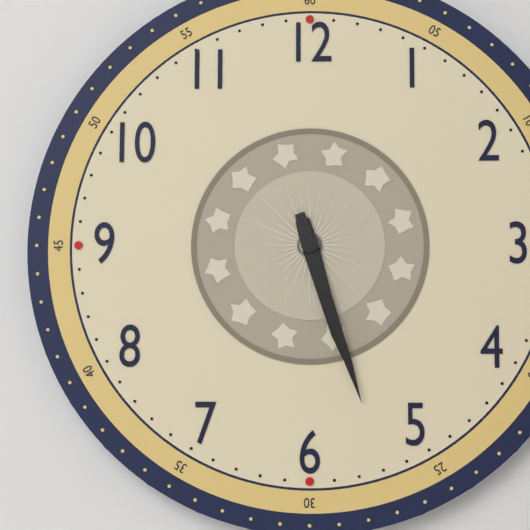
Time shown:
{"hour": 5, "minute": 27}
